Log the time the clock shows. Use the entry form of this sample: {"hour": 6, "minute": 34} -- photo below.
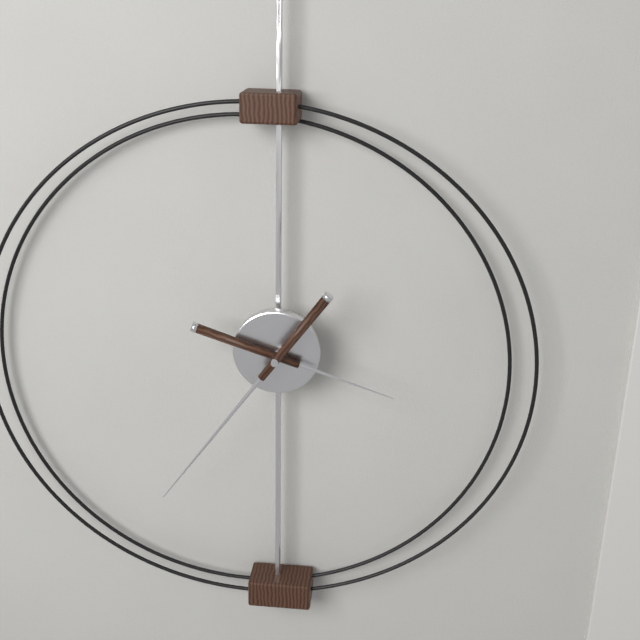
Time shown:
{"hour": 3, "minute": 36}
